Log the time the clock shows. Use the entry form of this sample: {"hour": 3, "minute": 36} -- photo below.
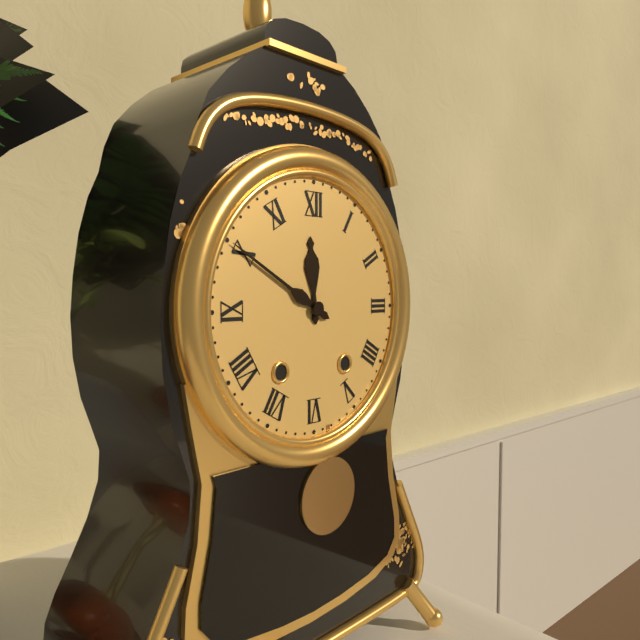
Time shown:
{"hour": 11, "minute": 50}
